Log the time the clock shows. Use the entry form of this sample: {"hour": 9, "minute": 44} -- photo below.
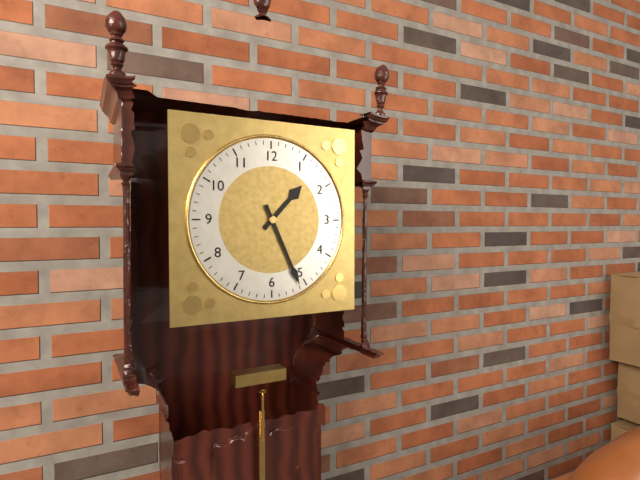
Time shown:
{"hour": 1, "minute": 26}
